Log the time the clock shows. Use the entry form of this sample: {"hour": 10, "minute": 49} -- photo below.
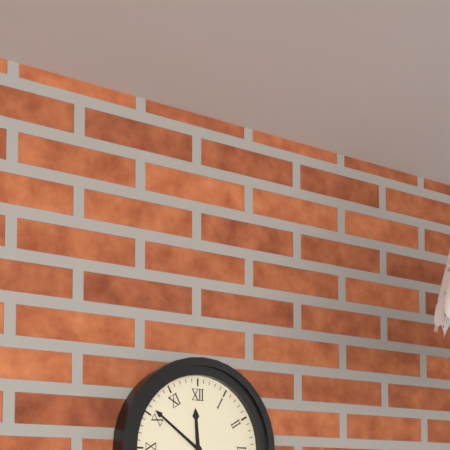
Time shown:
{"hour": 11, "minute": 51}
